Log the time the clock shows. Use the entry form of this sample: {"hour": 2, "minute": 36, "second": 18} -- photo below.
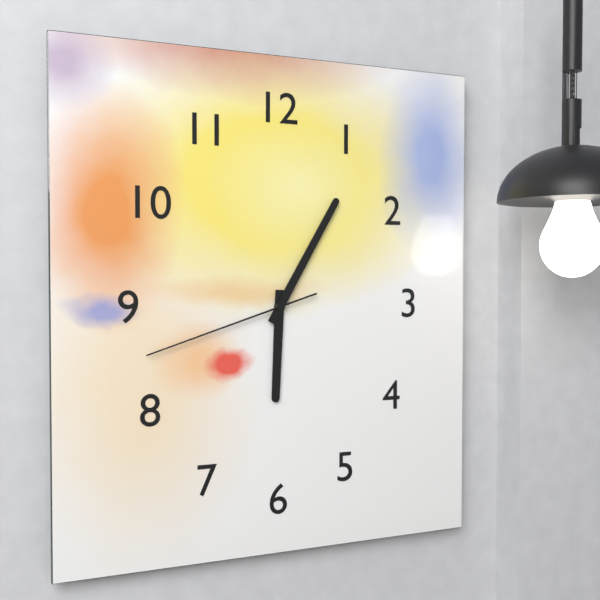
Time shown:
{"hour": 6, "minute": 5, "second": 42}
